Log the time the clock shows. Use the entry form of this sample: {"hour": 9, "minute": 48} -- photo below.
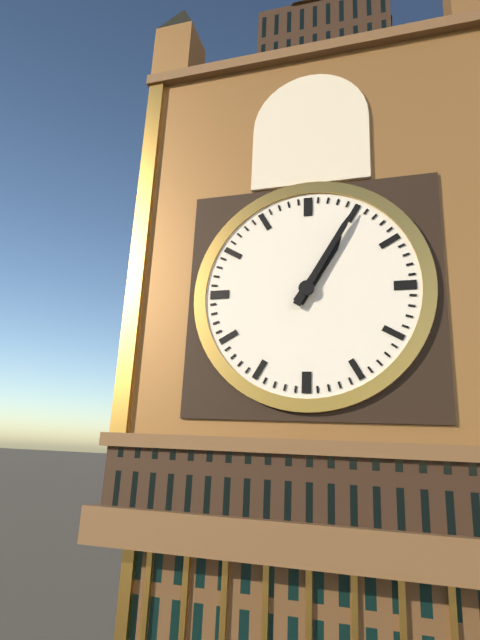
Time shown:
{"hour": 1, "minute": 5}
